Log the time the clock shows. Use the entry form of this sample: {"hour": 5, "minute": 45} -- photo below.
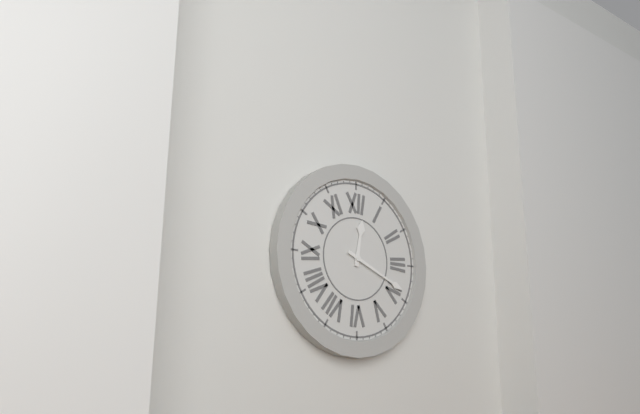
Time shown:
{"hour": 12, "minute": 19}
